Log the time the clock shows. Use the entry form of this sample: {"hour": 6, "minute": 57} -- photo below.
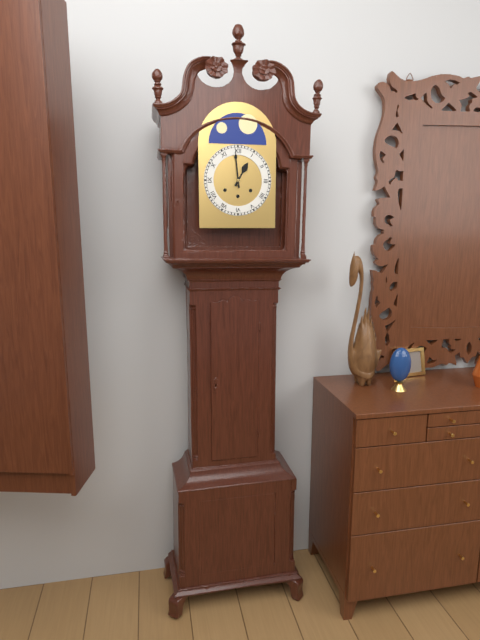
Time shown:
{"hour": 12, "minute": 59}
